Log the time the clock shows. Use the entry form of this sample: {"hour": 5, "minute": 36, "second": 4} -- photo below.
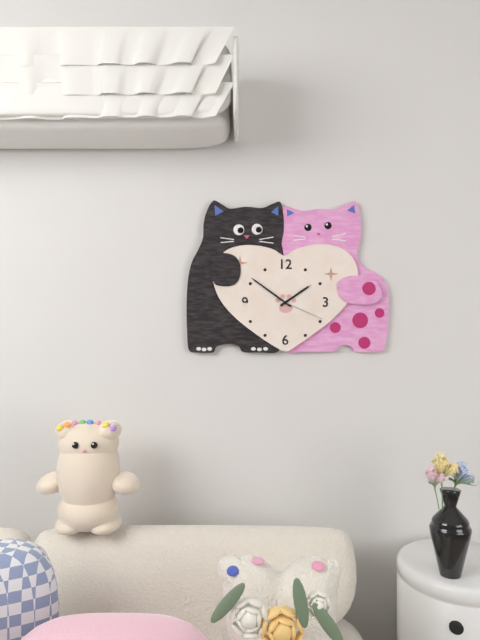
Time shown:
{"hour": 1, "minute": 51, "second": 19}
